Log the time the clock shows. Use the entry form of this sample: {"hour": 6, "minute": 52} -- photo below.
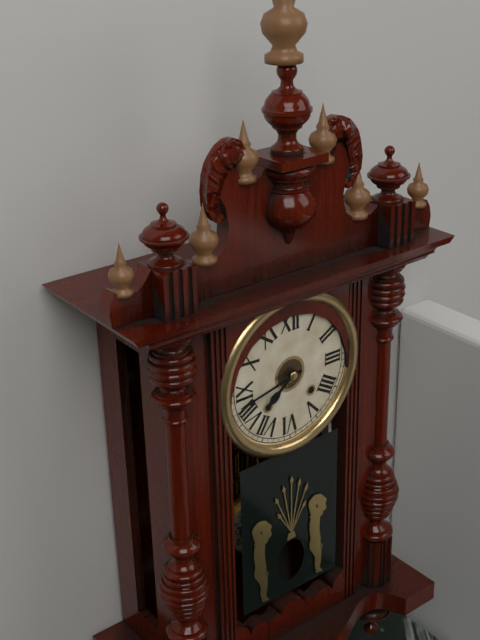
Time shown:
{"hour": 7, "minute": 43}
